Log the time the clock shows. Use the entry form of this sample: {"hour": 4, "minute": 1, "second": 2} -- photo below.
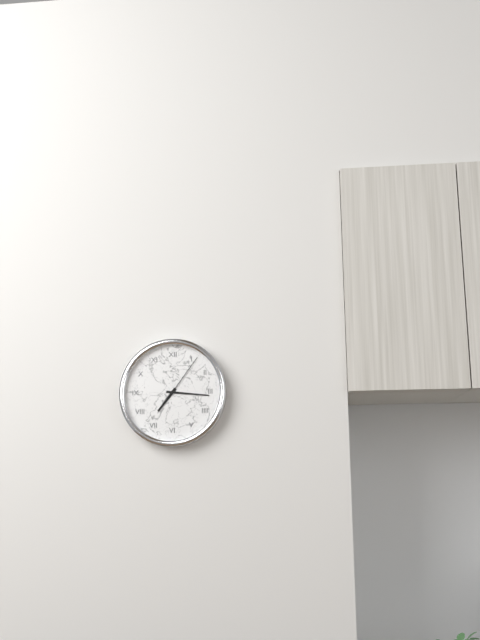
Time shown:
{"hour": 7, "minute": 16, "second": 6}
